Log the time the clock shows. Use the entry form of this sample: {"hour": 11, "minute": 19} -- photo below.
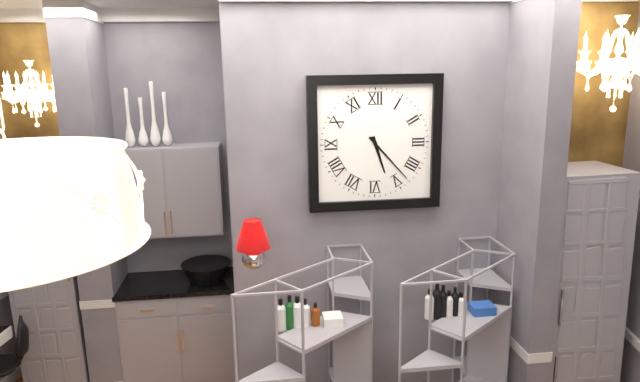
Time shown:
{"hour": 5, "minute": 23}
